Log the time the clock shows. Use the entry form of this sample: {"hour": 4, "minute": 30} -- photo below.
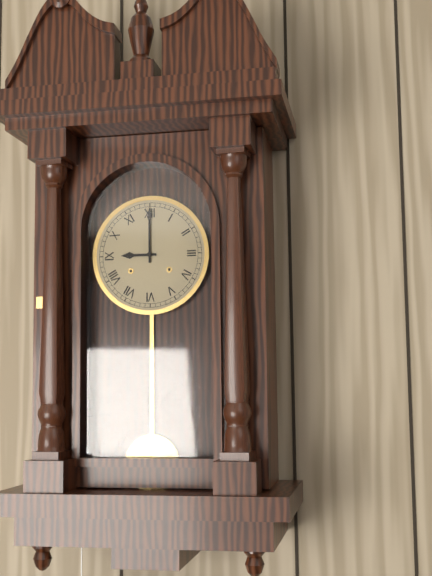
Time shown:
{"hour": 9, "minute": 0}
